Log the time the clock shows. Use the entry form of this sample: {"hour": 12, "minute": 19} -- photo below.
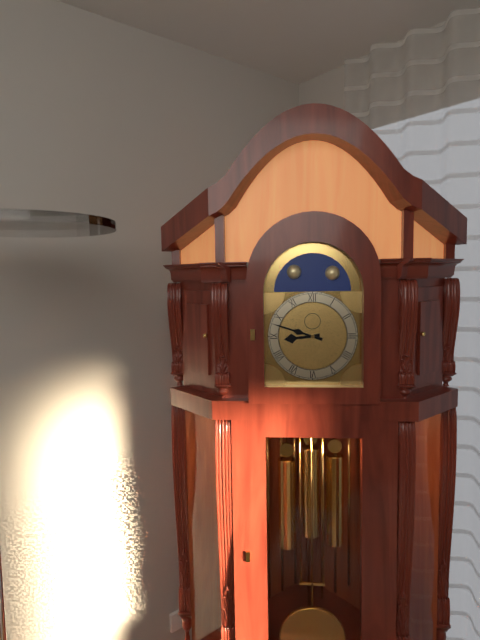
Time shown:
{"hour": 8, "minute": 48}
